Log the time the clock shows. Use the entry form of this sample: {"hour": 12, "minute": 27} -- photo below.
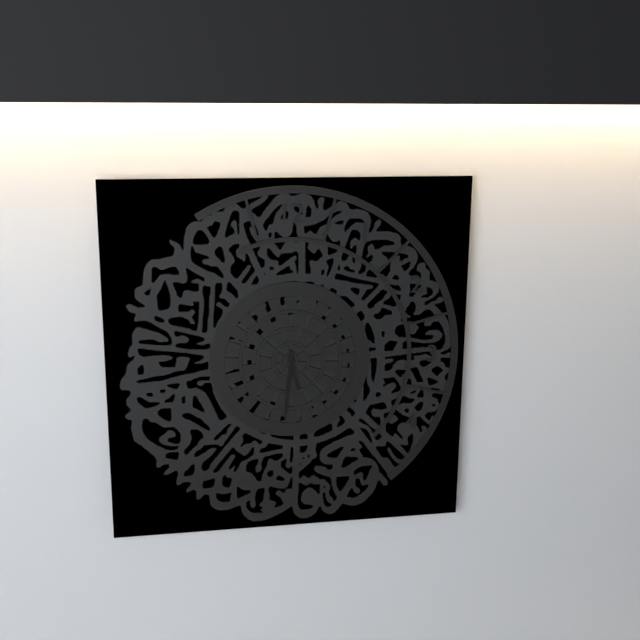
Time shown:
{"hour": 5, "minute": 31}
